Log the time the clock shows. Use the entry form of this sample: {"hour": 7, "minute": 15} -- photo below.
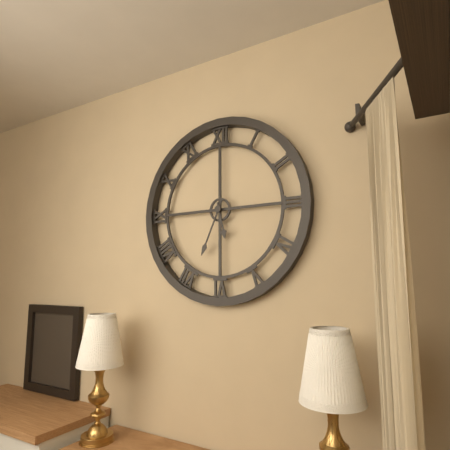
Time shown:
{"hour": 5, "minute": 34}
